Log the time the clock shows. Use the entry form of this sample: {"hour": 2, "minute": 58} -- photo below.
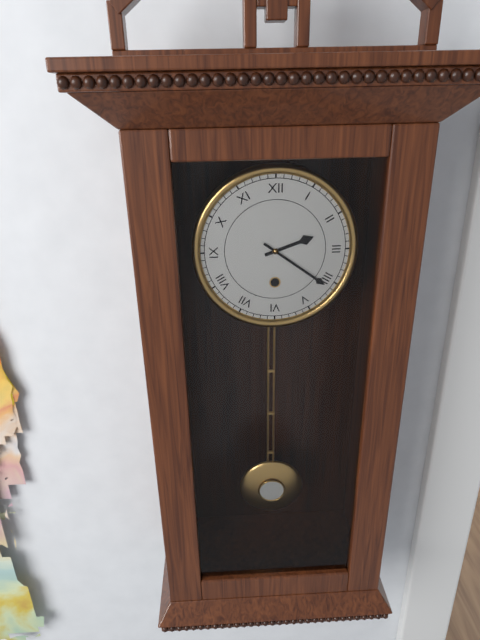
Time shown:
{"hour": 2, "minute": 21}
